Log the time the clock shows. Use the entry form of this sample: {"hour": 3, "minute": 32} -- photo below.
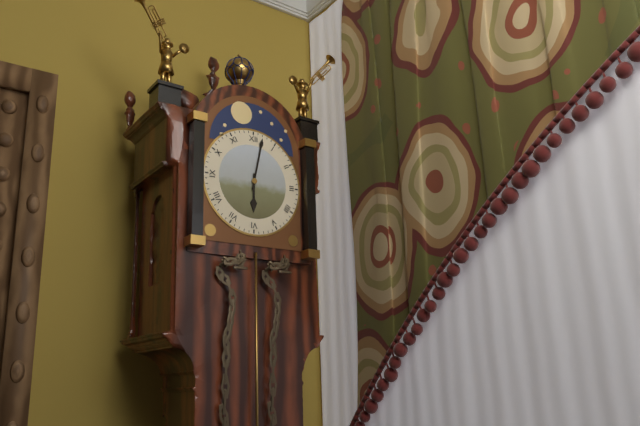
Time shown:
{"hour": 6, "minute": 2}
